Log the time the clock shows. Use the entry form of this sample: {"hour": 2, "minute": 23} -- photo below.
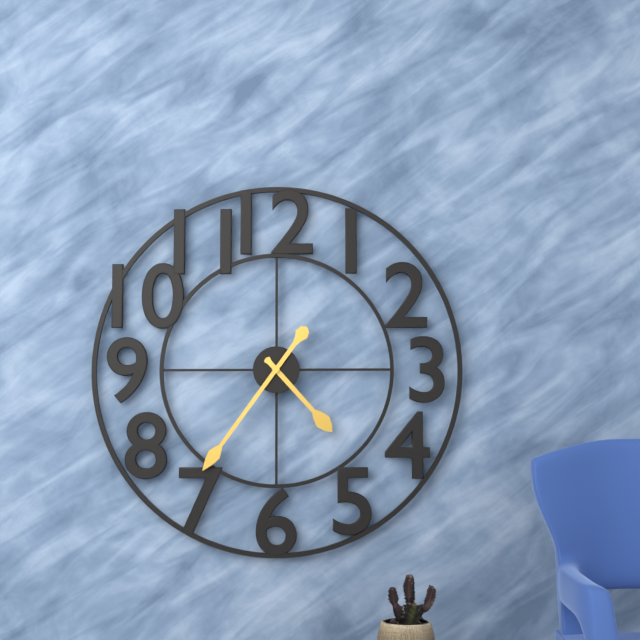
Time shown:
{"hour": 4, "minute": 36}
